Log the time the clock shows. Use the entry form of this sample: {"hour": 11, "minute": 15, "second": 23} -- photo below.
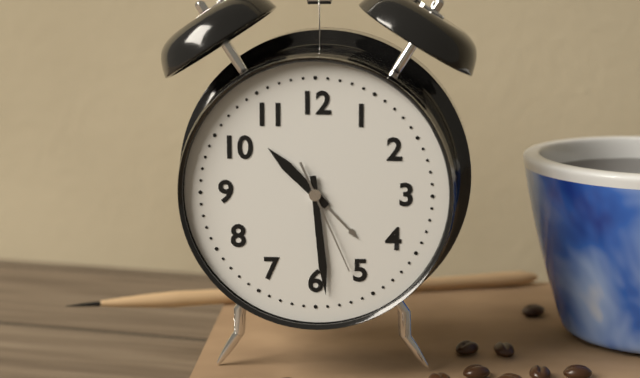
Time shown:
{"hour": 10, "minute": 29, "second": 26}
